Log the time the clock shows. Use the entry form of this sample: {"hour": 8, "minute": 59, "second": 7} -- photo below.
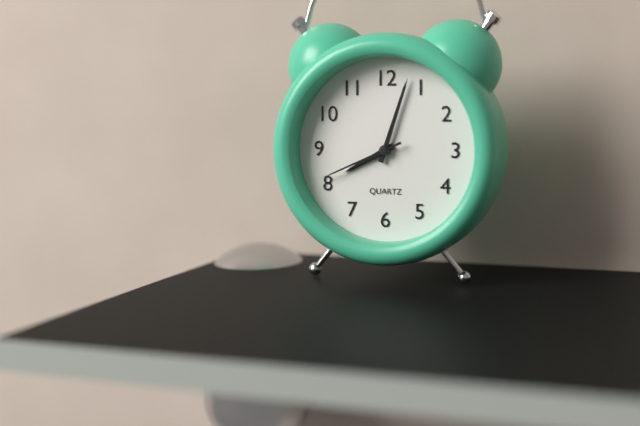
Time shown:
{"hour": 8, "minute": 3, "second": 41}
